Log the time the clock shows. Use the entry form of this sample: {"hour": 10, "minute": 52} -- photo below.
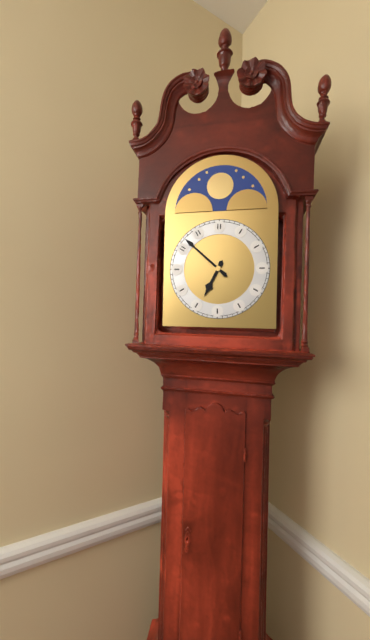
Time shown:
{"hour": 6, "minute": 52}
